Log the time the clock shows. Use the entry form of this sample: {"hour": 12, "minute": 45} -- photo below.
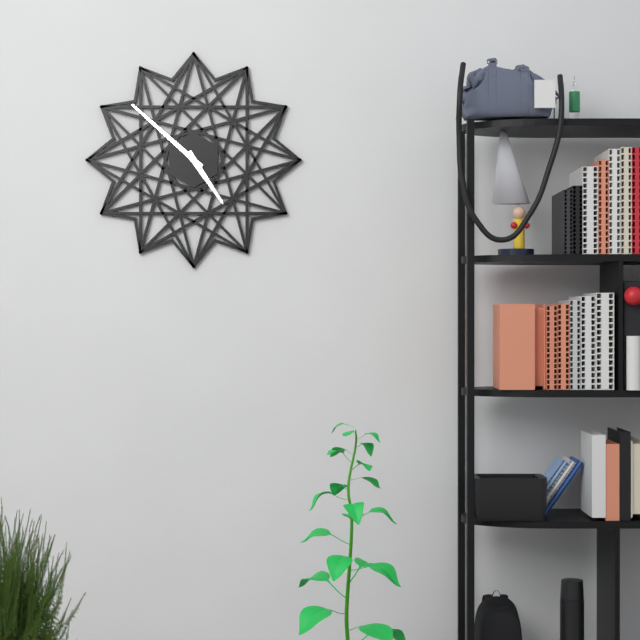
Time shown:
{"hour": 4, "minute": 52}
